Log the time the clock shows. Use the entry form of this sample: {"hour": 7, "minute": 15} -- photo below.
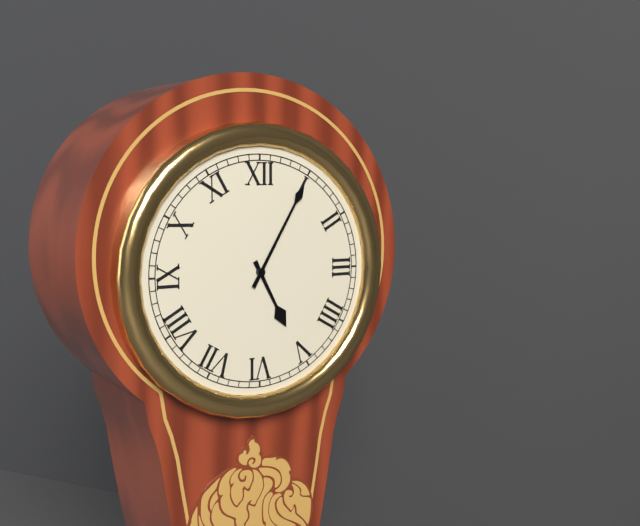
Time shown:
{"hour": 5, "minute": 5}
